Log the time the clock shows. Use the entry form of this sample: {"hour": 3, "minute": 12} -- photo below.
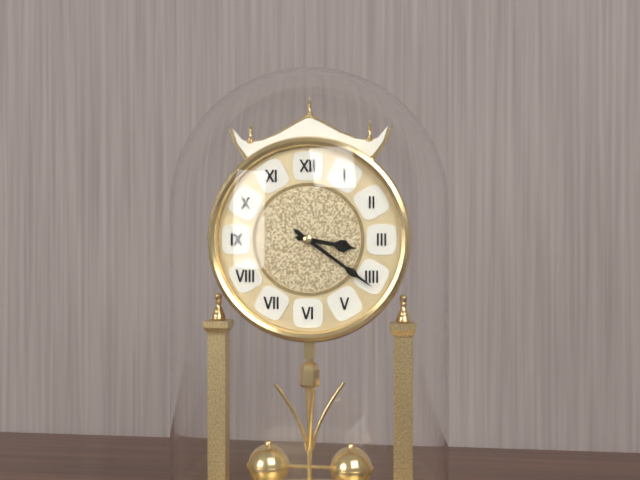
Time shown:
{"hour": 3, "minute": 21}
